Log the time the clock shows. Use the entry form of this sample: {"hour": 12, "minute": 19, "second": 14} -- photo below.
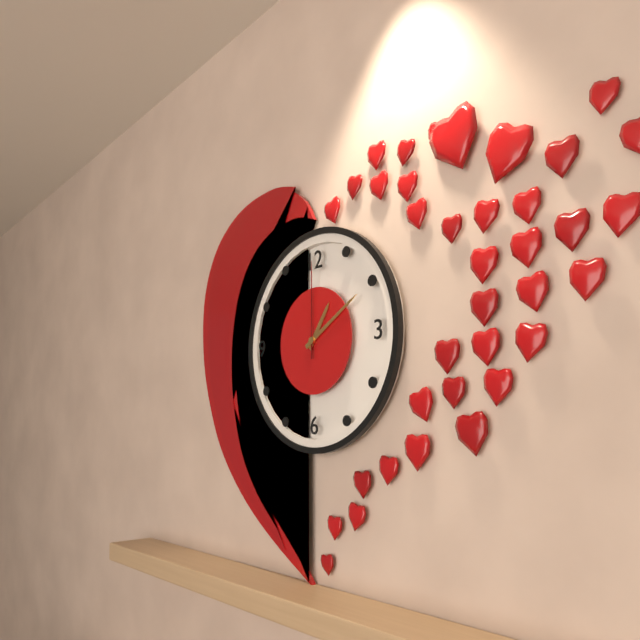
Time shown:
{"hour": 1, "minute": 10, "second": 0}
